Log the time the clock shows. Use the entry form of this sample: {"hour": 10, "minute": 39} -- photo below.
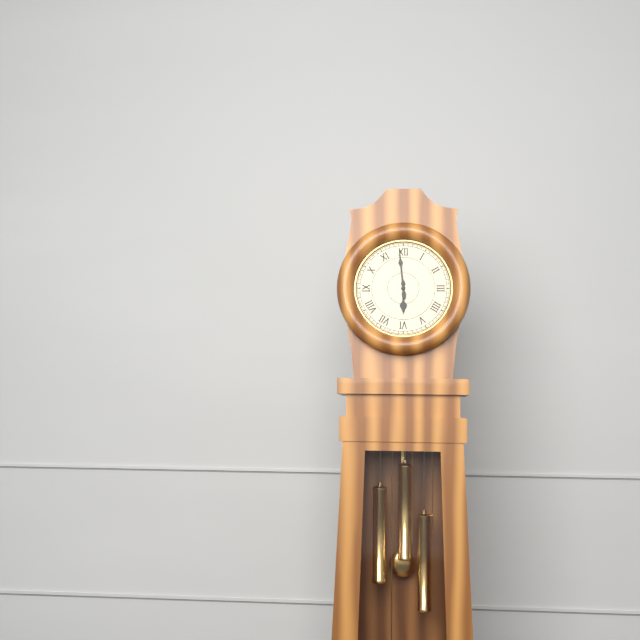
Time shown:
{"hour": 5, "minute": 59}
